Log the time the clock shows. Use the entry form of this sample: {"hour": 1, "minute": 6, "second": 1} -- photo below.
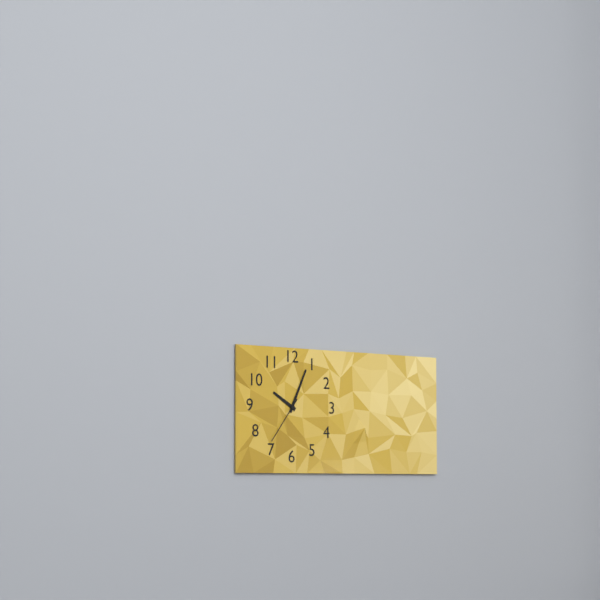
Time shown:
{"hour": 10, "minute": 4, "second": 36}
